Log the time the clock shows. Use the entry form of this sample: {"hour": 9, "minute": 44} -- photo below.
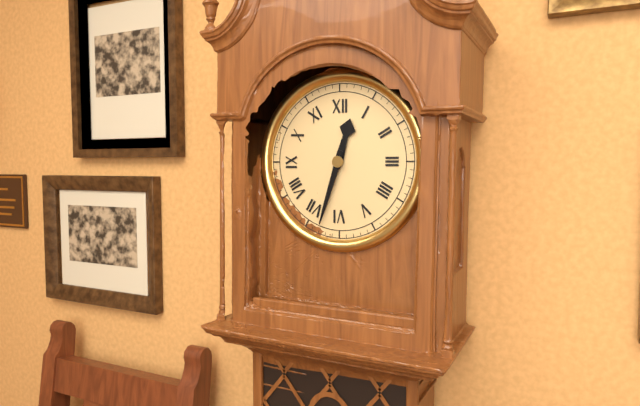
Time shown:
{"hour": 12, "minute": 33}
